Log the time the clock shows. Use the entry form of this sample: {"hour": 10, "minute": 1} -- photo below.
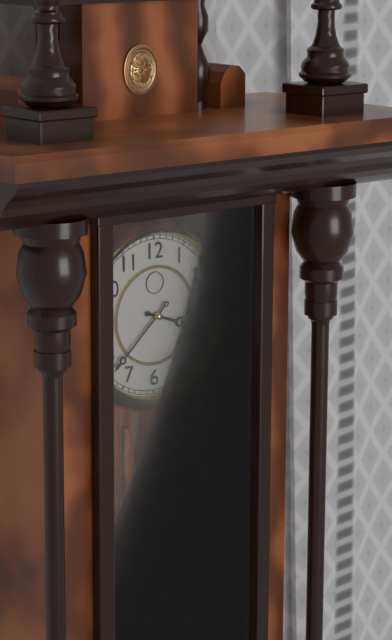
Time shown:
{"hour": 3, "minute": 38}
